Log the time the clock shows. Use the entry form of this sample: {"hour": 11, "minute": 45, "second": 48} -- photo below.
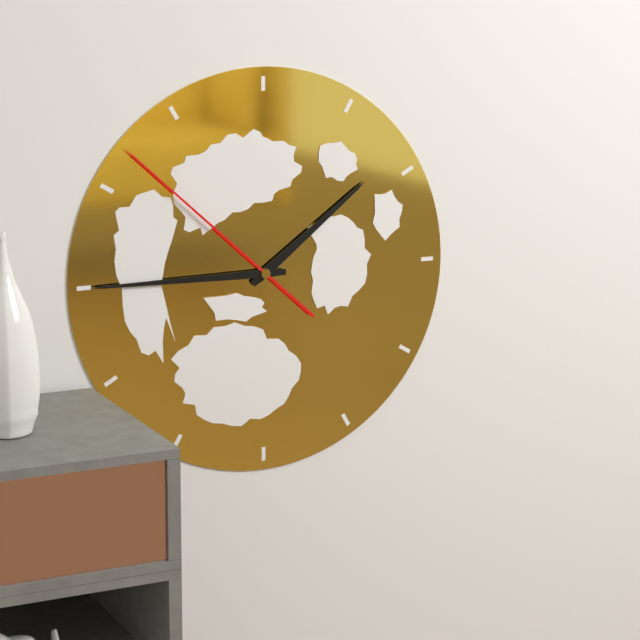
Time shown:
{"hour": 1, "minute": 45, "second": 52}
